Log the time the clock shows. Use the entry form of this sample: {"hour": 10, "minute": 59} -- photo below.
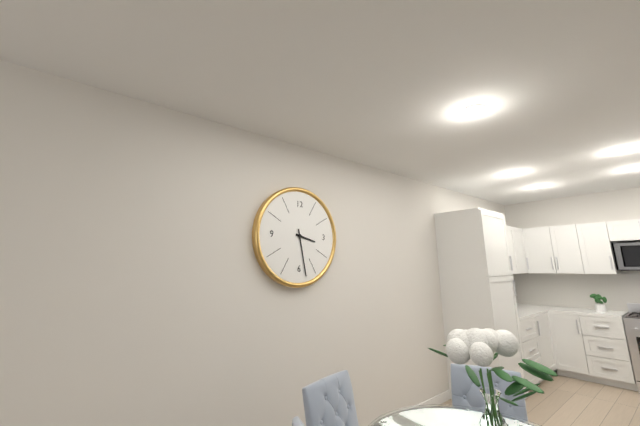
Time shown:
{"hour": 3, "minute": 28}
